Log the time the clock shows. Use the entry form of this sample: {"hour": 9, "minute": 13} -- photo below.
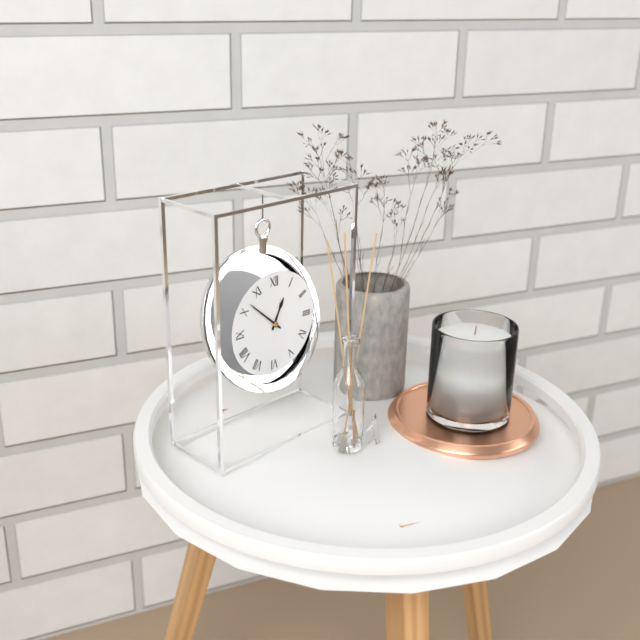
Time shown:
{"hour": 12, "minute": 52}
